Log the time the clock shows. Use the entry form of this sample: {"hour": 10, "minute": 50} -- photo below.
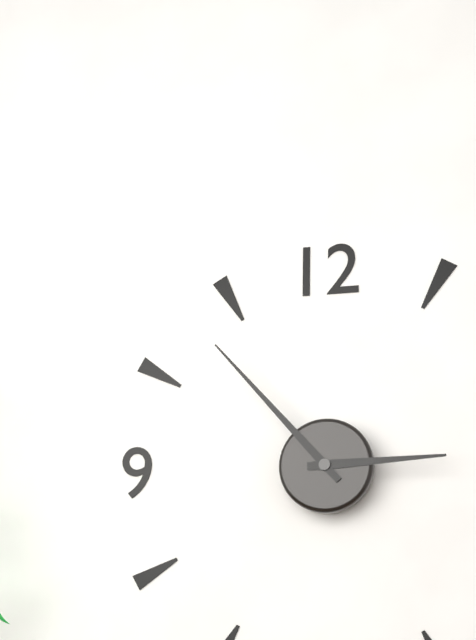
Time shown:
{"hour": 2, "minute": 53}
